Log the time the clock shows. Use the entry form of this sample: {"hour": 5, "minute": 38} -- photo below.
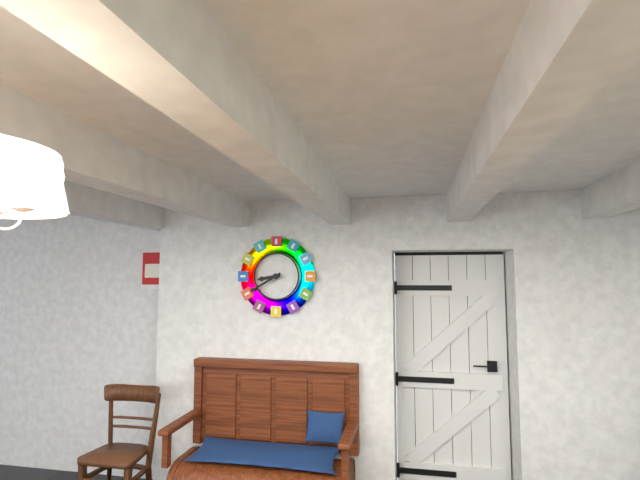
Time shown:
{"hour": 8, "minute": 40}
